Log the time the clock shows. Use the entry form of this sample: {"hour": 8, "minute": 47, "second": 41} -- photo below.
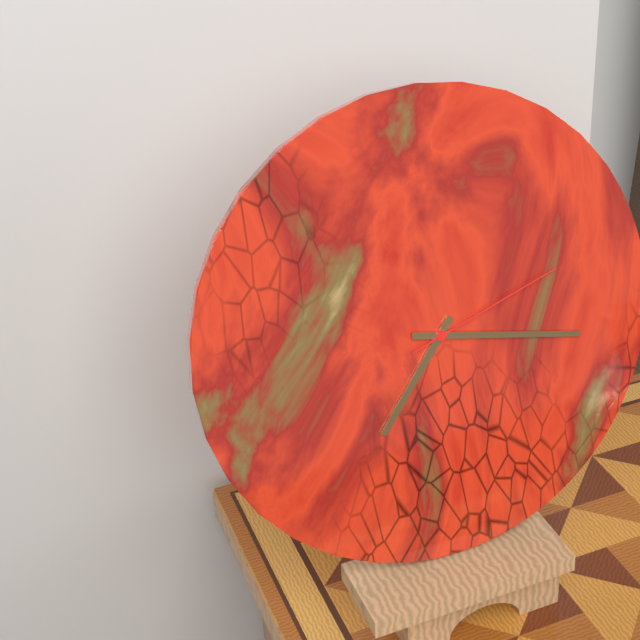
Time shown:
{"hour": 7, "minute": 17, "second": 12}
